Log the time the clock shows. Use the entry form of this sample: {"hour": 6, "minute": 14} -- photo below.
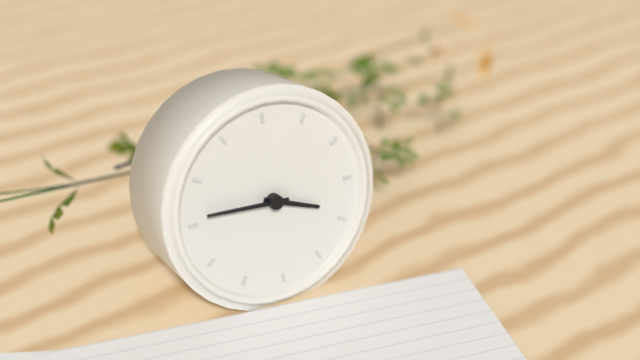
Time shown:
{"hour": 3, "minute": 46}
